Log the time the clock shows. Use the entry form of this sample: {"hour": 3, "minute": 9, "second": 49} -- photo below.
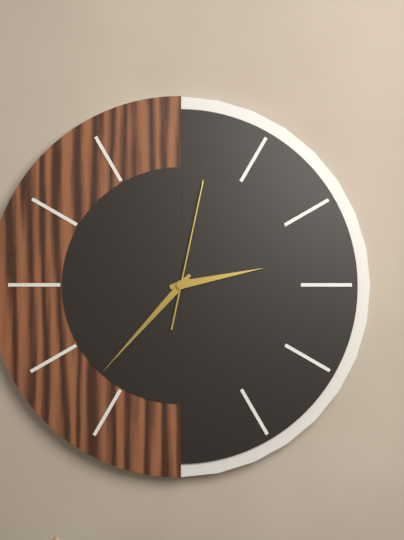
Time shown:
{"hour": 2, "minute": 37, "second": 2}
